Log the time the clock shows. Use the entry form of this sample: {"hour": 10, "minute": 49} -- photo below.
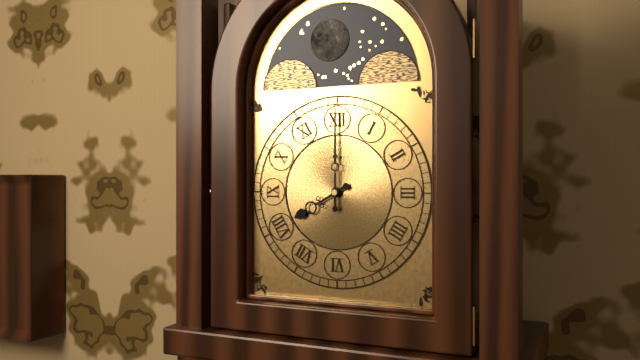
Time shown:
{"hour": 8, "minute": 0}
